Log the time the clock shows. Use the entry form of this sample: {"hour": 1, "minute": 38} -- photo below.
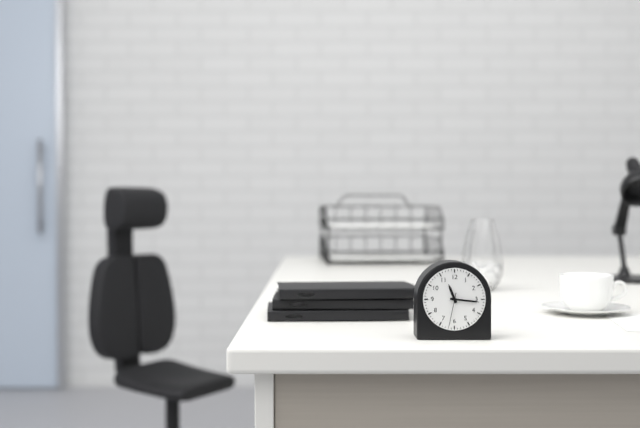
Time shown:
{"hour": 11, "minute": 16}
